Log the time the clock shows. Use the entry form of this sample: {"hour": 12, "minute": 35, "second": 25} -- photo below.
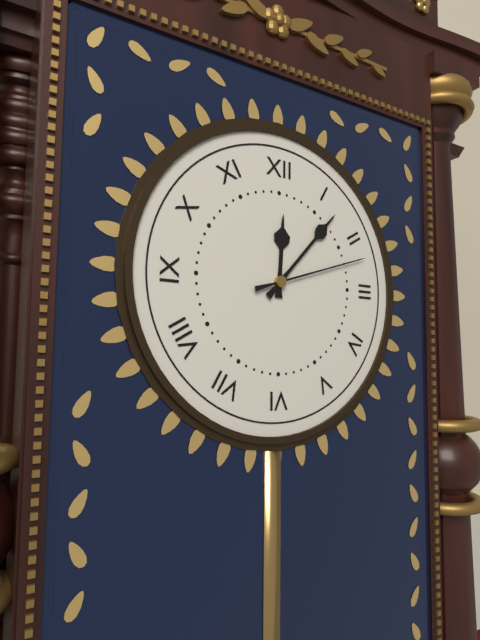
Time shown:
{"hour": 12, "minute": 7, "second": 12}
